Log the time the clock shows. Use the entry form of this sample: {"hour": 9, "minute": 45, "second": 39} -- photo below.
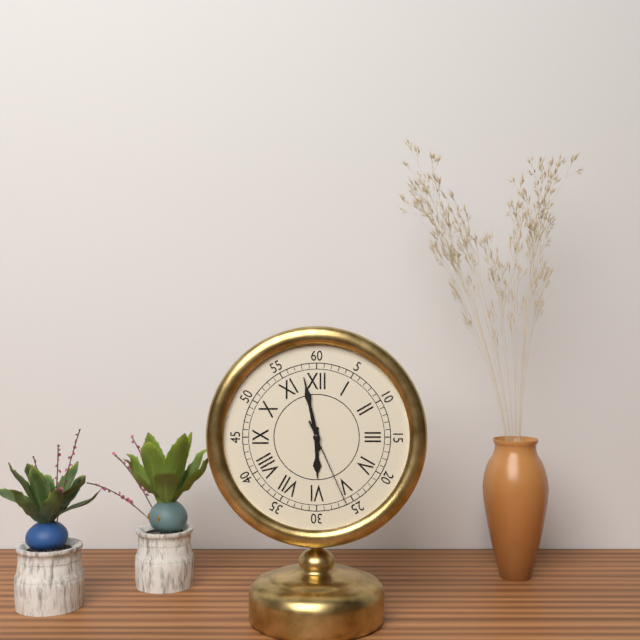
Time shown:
{"hour": 5, "minute": 58, "second": 26}
